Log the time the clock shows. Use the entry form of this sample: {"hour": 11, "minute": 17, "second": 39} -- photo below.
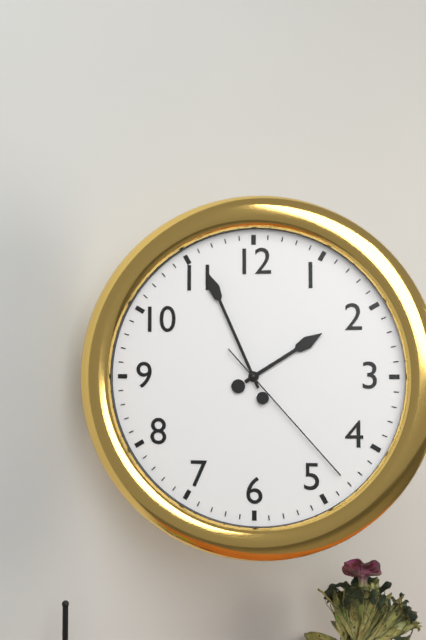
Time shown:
{"hour": 1, "minute": 56, "second": 23}
